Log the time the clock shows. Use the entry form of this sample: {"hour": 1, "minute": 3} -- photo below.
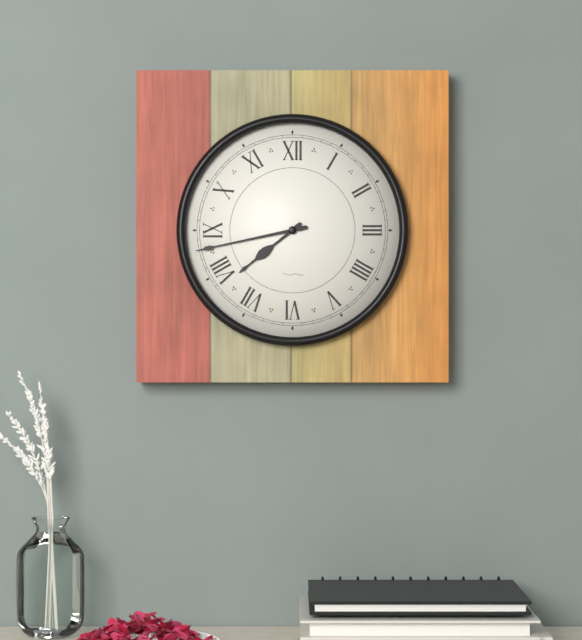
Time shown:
{"hour": 7, "minute": 43}
